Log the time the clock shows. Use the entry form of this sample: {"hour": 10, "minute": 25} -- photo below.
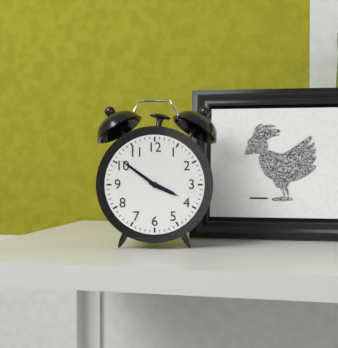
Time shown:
{"hour": 3, "minute": 51}
